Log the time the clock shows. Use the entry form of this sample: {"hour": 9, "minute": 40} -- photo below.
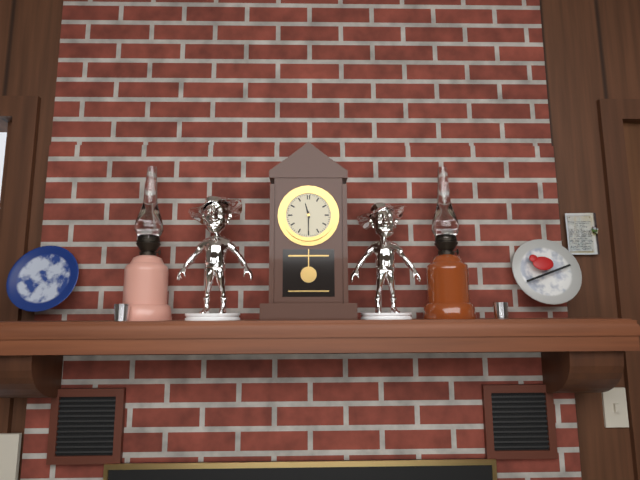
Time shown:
{"hour": 11, "minute": 30}
